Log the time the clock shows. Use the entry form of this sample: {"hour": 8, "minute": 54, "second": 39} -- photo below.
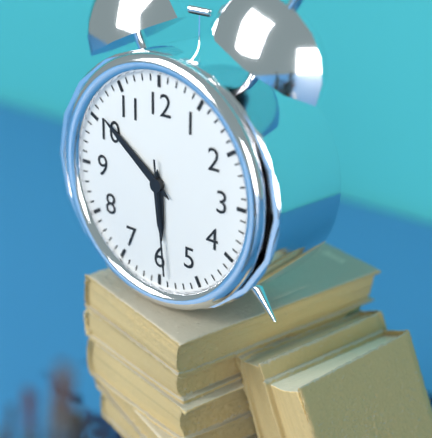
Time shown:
{"hour": 5, "minute": 51, "second": 29}
